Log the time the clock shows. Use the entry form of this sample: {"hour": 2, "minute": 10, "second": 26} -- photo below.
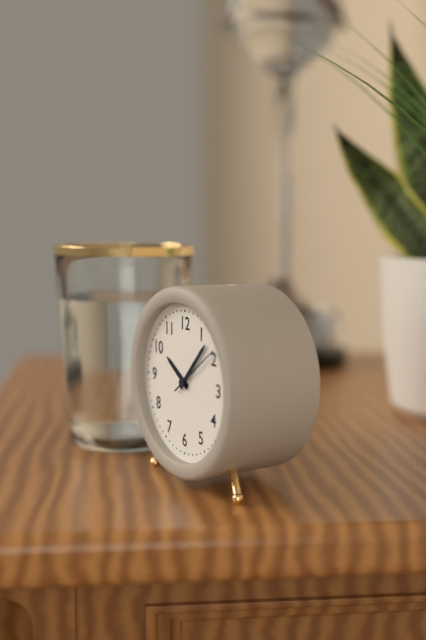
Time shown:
{"hour": 10, "minute": 7, "second": 9}
